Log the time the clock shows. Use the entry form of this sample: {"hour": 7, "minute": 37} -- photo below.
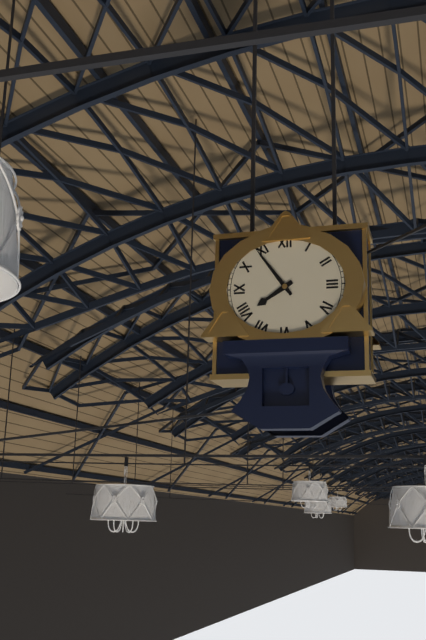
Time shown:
{"hour": 7, "minute": 54}
